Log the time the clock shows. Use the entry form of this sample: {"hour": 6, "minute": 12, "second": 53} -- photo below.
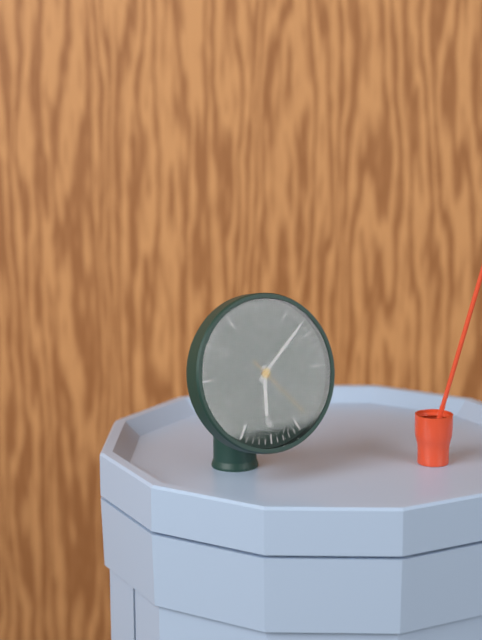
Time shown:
{"hour": 6, "minute": 8, "second": 23}
